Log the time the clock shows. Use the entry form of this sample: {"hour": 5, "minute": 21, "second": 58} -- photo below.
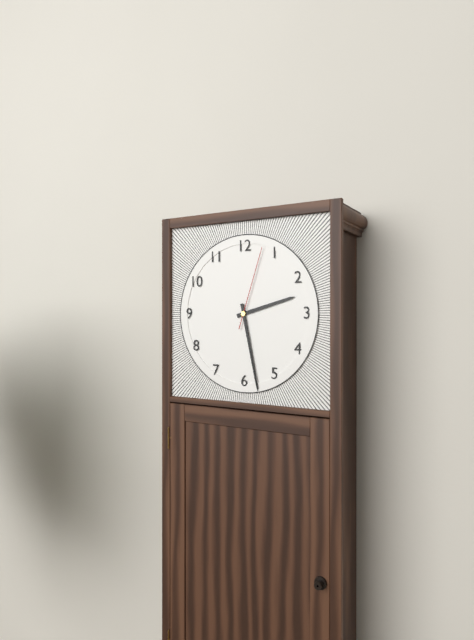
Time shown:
{"hour": 2, "minute": 28, "second": 3}
